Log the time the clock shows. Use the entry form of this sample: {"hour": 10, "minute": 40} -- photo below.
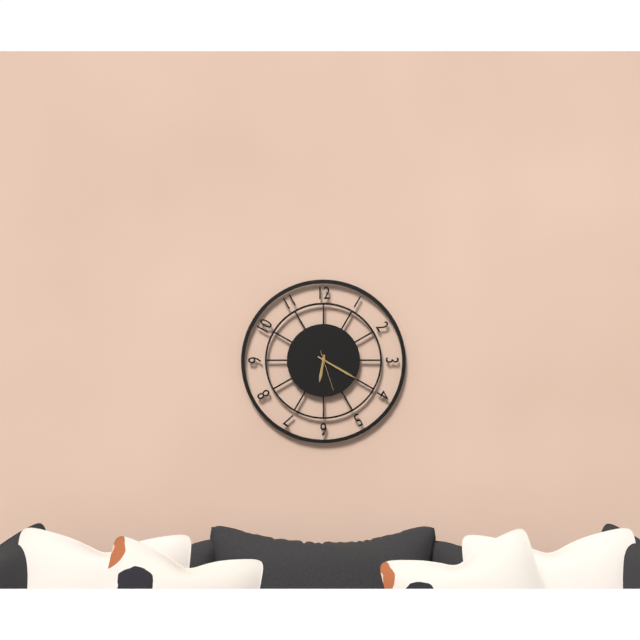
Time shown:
{"hour": 6, "minute": 20}
